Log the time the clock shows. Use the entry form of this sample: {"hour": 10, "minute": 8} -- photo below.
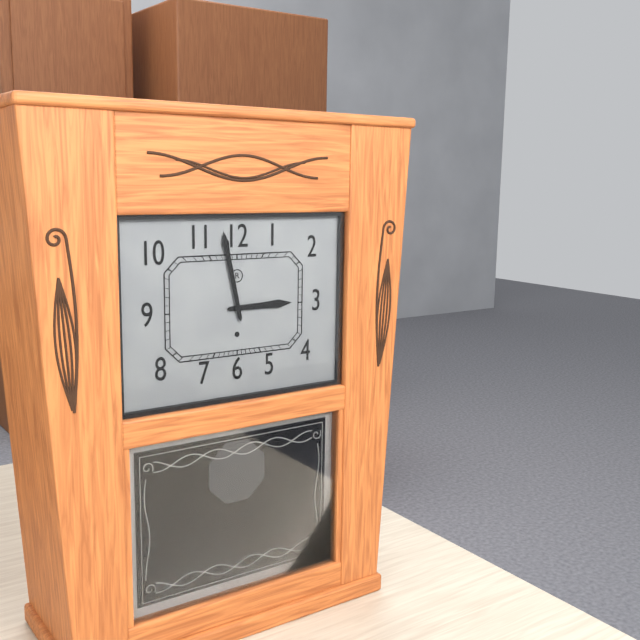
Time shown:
{"hour": 2, "minute": 58}
